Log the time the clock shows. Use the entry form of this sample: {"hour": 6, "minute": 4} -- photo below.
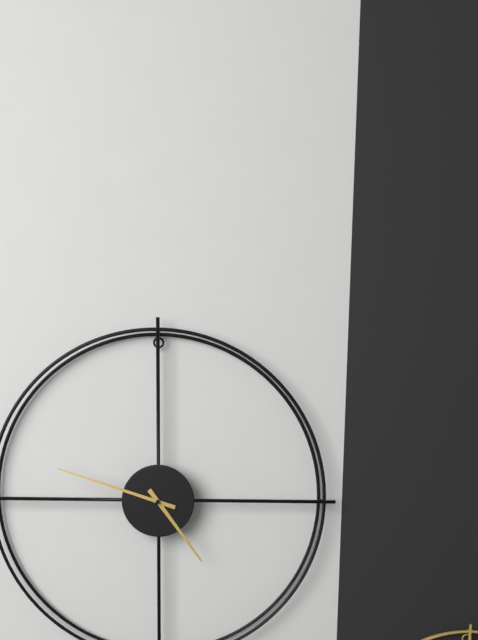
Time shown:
{"hour": 4, "minute": 48}
